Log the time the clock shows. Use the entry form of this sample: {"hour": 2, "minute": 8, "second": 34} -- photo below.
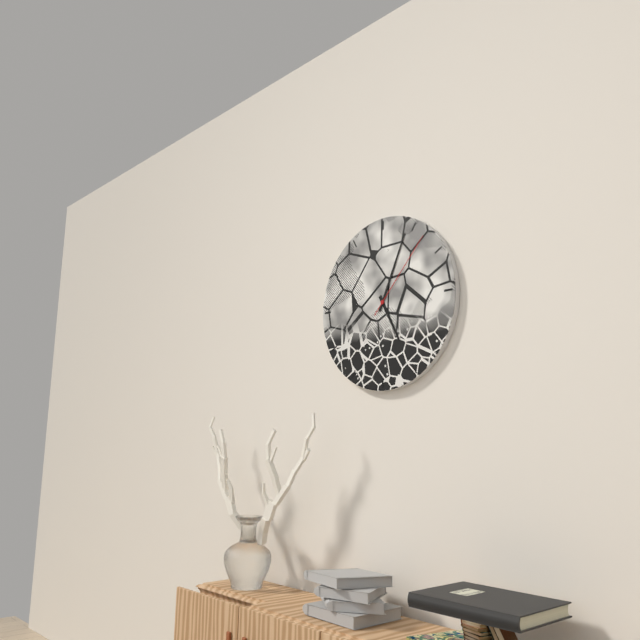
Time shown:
{"hour": 5, "minute": 4, "second": 7}
